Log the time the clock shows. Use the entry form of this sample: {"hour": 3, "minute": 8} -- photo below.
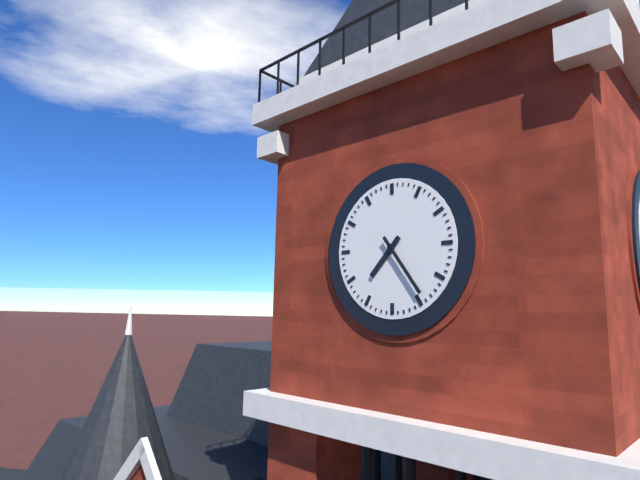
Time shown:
{"hour": 7, "minute": 24}
